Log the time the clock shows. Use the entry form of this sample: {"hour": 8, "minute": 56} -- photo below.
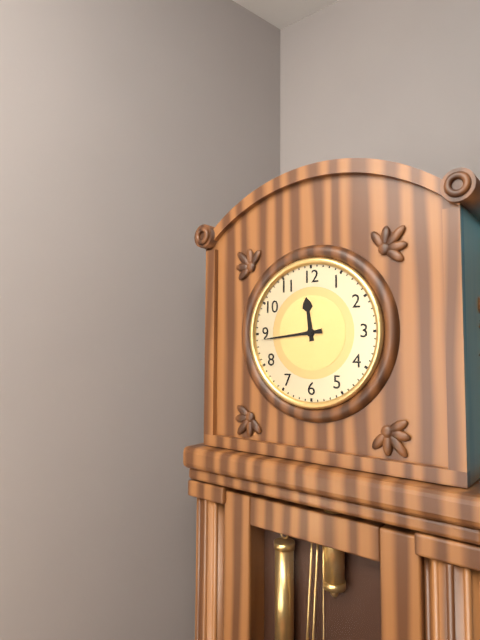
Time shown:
{"hour": 11, "minute": 44}
